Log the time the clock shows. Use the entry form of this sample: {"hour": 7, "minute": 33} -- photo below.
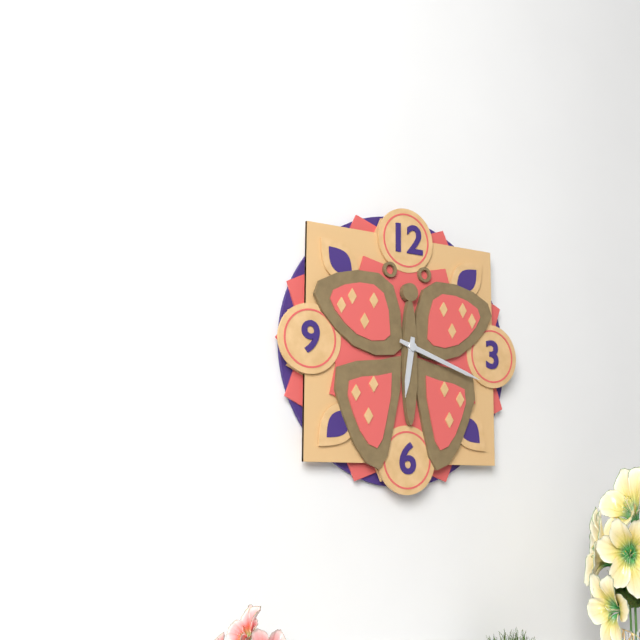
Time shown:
{"hour": 6, "minute": 18}
